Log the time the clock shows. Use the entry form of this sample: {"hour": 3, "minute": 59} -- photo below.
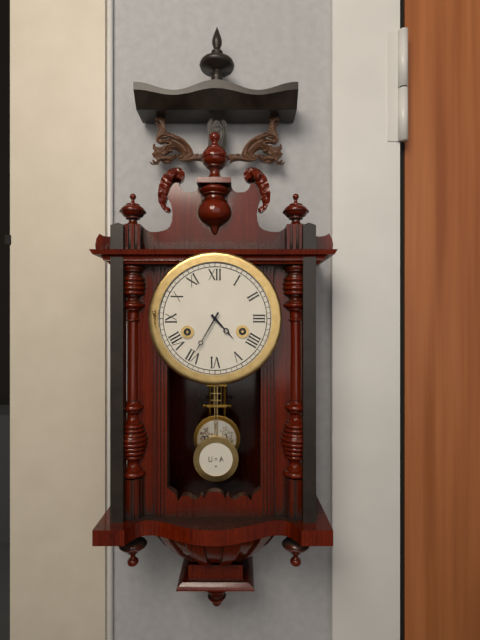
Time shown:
{"hour": 4, "minute": 35}
